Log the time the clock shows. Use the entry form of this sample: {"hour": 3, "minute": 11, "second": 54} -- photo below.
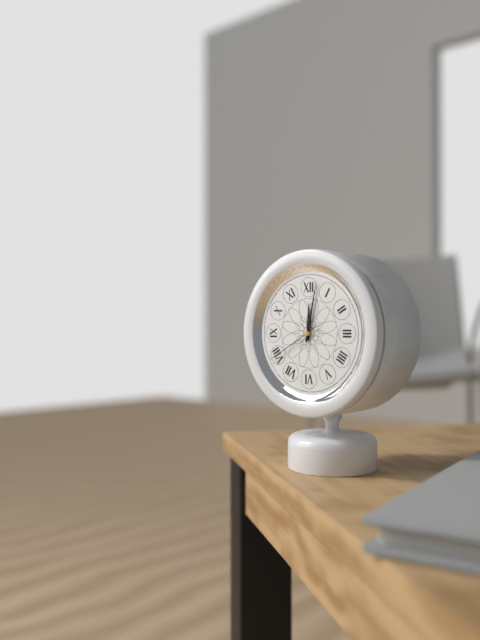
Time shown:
{"hour": 12, "minute": 2, "second": 40}
